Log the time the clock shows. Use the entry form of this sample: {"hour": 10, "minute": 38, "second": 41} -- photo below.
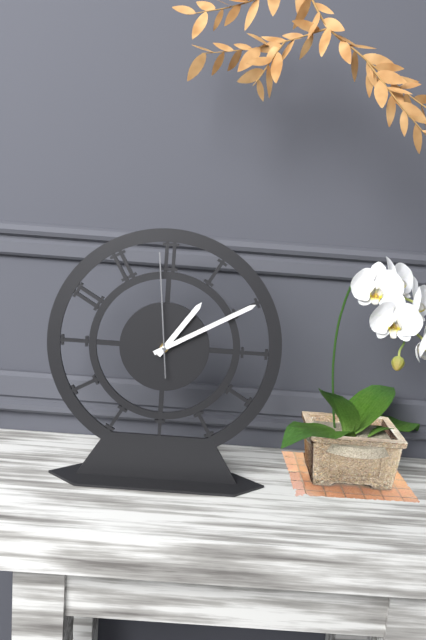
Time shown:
{"hour": 1, "minute": 10, "second": 59}
